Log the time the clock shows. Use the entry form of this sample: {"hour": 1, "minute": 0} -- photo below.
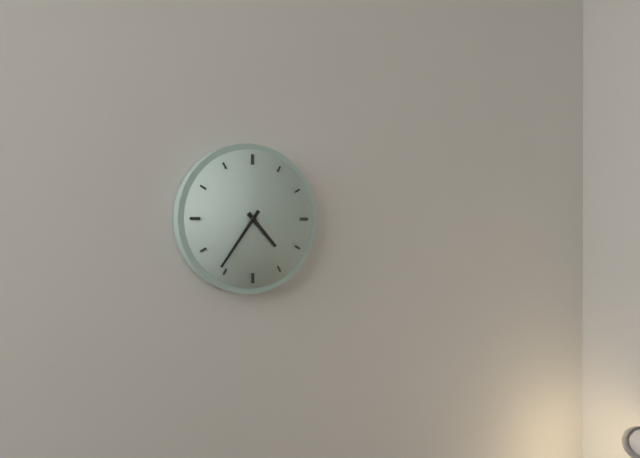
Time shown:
{"hour": 4, "minute": 36}
